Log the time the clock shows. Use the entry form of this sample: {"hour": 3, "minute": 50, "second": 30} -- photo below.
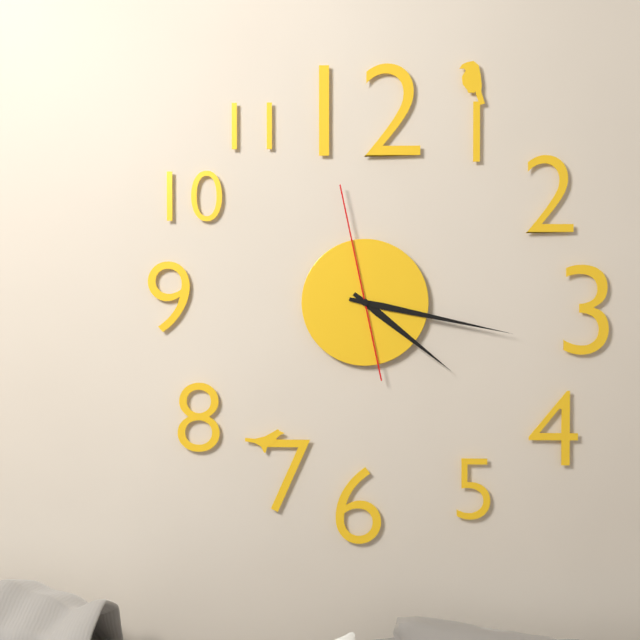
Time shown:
{"hour": 4, "minute": 17, "second": 58}
